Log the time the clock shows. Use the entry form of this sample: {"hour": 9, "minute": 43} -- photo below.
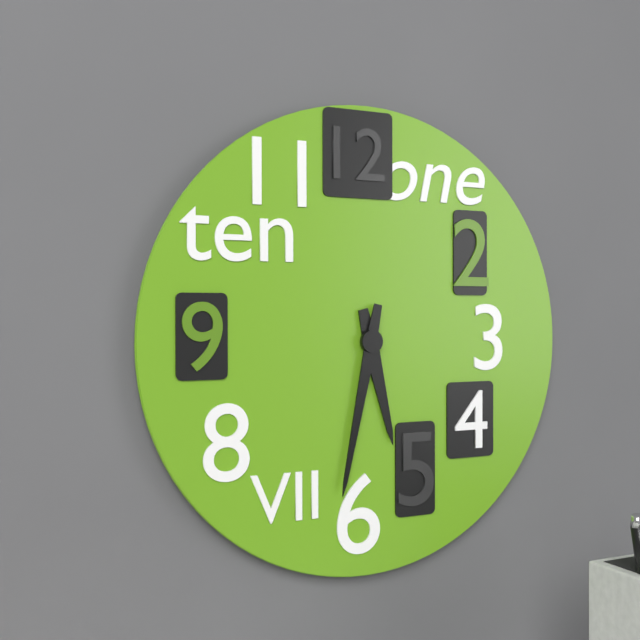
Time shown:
{"hour": 5, "minute": 32}
